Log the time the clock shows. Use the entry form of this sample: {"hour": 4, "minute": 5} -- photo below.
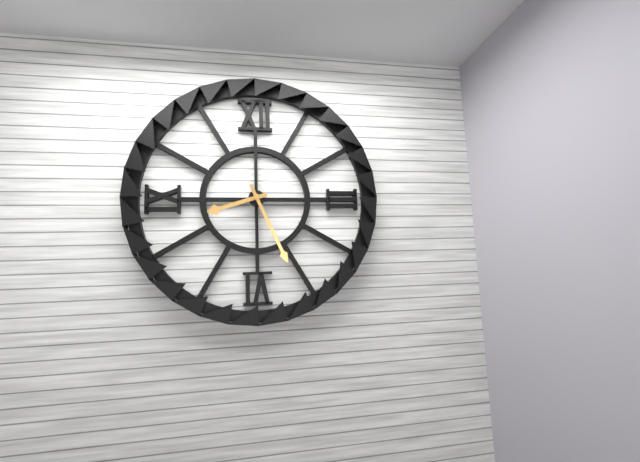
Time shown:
{"hour": 8, "minute": 26}
